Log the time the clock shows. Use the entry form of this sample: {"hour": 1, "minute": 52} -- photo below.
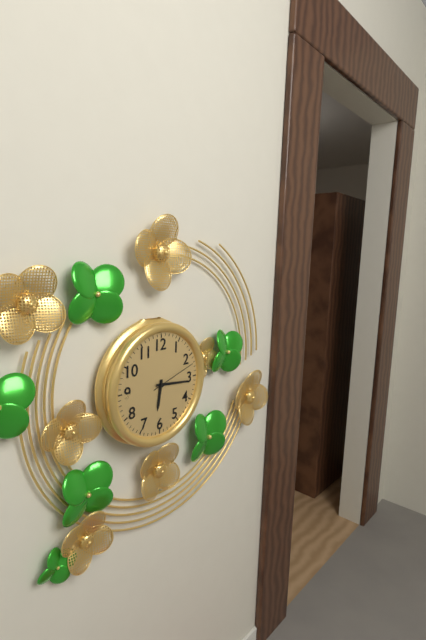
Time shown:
{"hour": 6, "minute": 16}
